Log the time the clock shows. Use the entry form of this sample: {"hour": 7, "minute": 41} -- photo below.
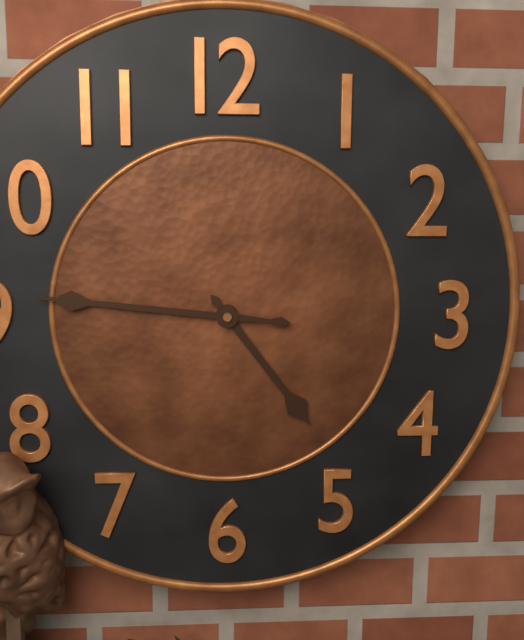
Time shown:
{"hour": 4, "minute": 46}
